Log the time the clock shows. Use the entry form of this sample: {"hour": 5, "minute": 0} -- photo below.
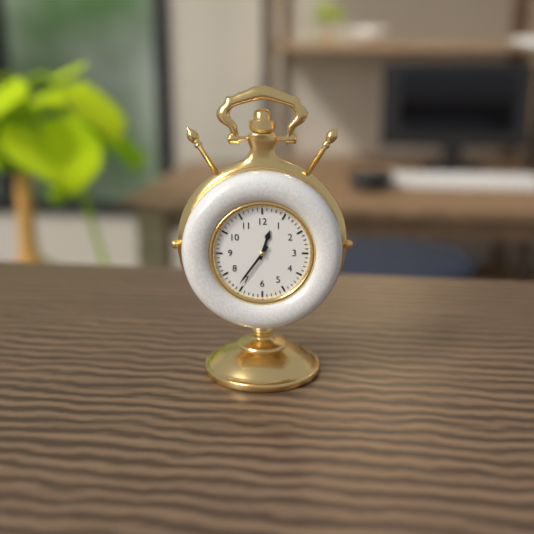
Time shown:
{"hour": 12, "minute": 36}
